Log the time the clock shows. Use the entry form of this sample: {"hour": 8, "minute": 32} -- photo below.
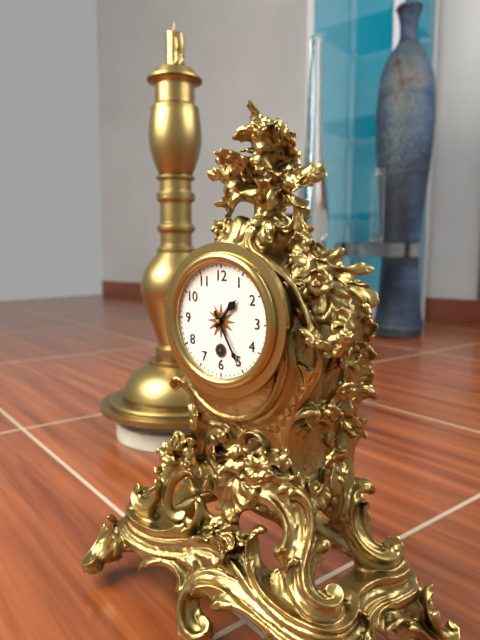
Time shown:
{"hour": 1, "minute": 25}
